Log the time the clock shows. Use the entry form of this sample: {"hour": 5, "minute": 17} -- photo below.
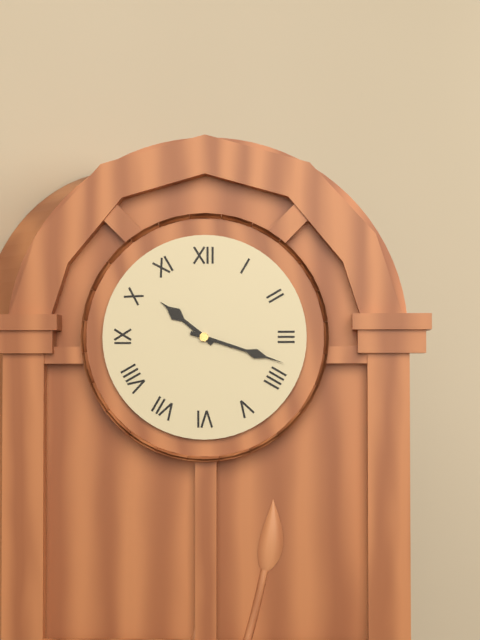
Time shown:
{"hour": 10, "minute": 18}
